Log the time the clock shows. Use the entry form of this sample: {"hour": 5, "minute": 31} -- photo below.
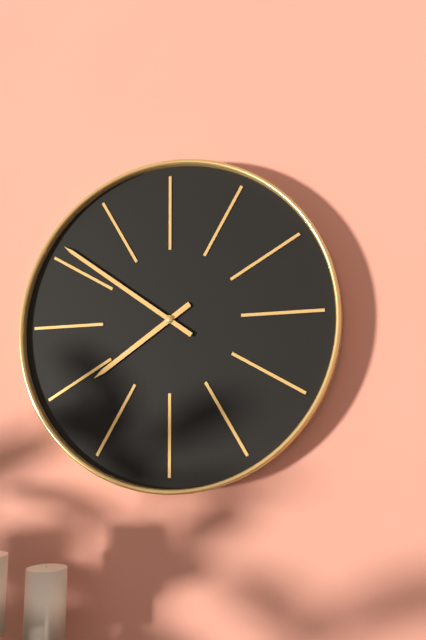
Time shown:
{"hour": 7, "minute": 51}
